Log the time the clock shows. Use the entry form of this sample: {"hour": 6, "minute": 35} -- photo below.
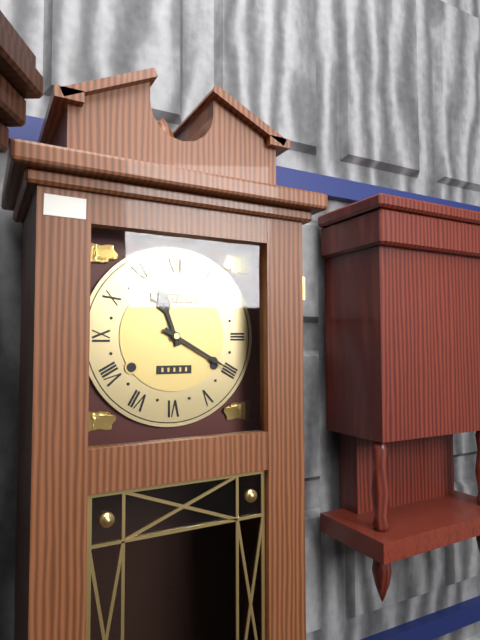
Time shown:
{"hour": 11, "minute": 20}
